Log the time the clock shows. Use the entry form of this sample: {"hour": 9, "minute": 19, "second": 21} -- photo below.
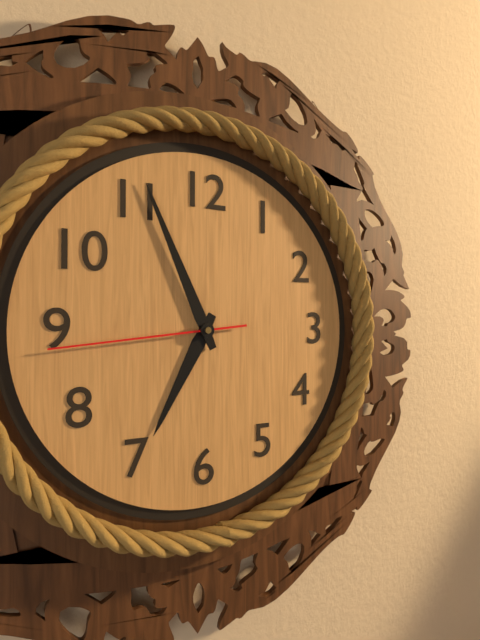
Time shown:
{"hour": 6, "minute": 56, "second": 44}
